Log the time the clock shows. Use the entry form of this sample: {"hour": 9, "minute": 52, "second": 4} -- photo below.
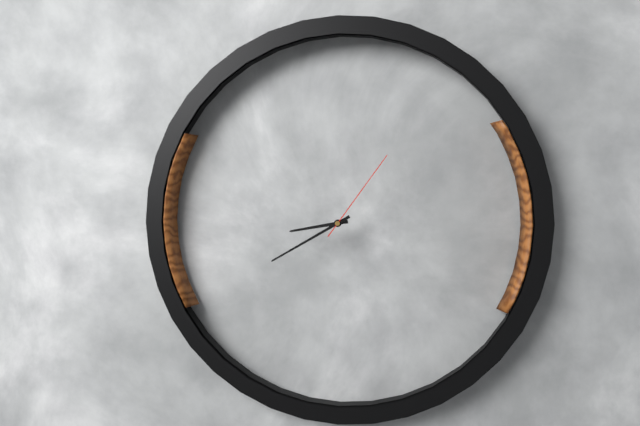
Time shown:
{"hour": 8, "minute": 40, "second": 6}
